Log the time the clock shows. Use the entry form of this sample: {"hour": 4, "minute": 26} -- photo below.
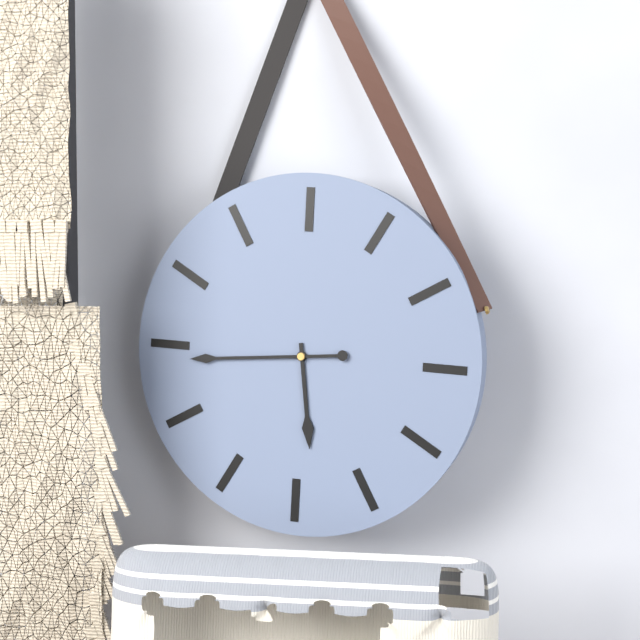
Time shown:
{"hour": 5, "minute": 44}
